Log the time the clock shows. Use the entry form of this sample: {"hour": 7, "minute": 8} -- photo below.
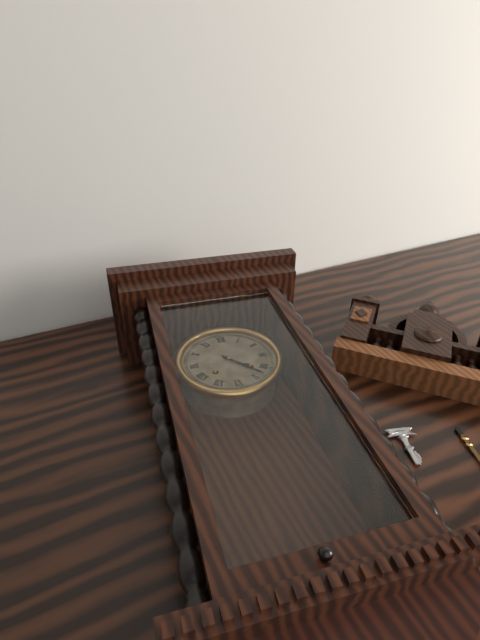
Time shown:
{"hour": 4, "minute": 23}
